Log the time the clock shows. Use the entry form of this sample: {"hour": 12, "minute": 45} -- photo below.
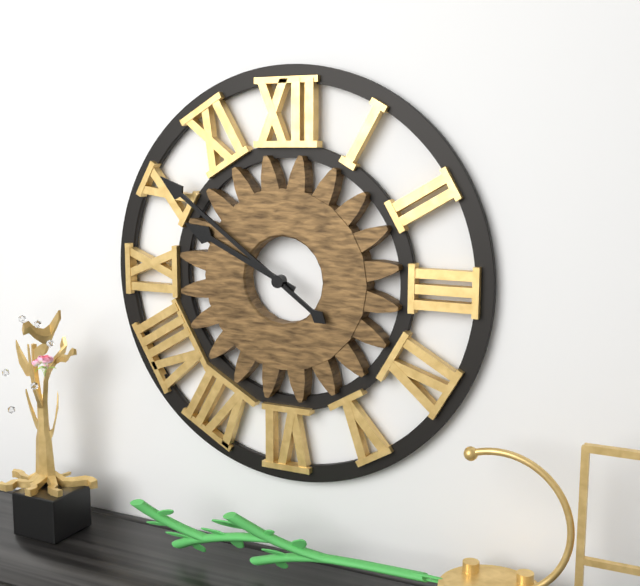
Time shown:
{"hour": 9, "minute": 51}
